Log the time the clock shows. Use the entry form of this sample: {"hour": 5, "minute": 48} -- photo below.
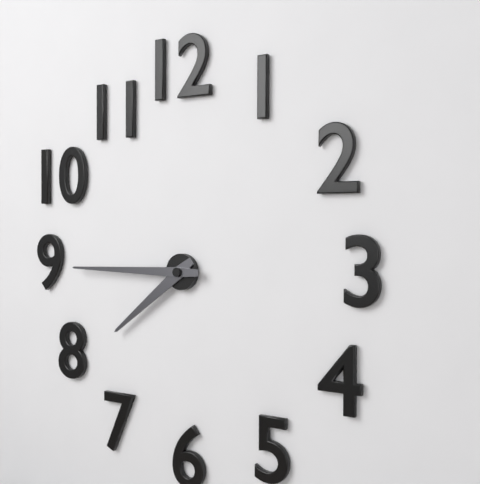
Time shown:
{"hour": 7, "minute": 45}
